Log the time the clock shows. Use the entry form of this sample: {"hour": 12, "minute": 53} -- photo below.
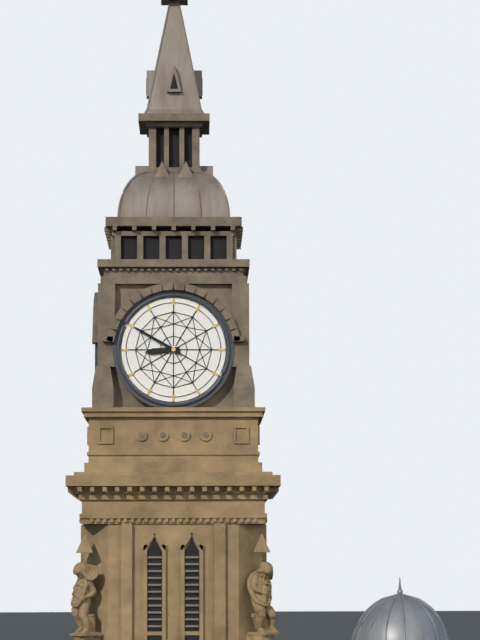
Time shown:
{"hour": 8, "minute": 50}
